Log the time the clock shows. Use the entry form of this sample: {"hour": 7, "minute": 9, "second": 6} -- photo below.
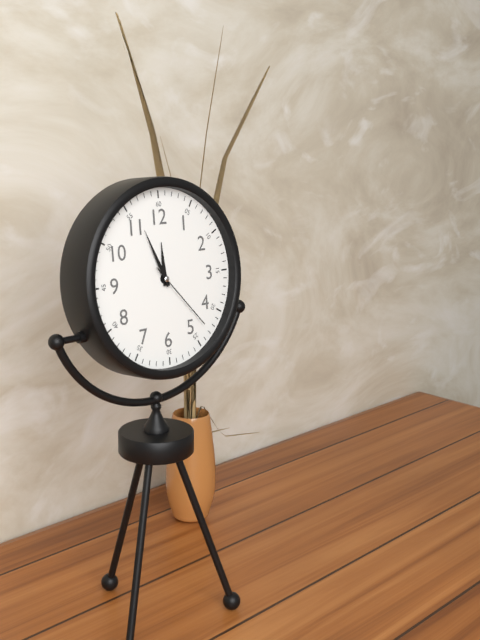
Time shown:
{"hour": 11, "minute": 56, "second": 23}
